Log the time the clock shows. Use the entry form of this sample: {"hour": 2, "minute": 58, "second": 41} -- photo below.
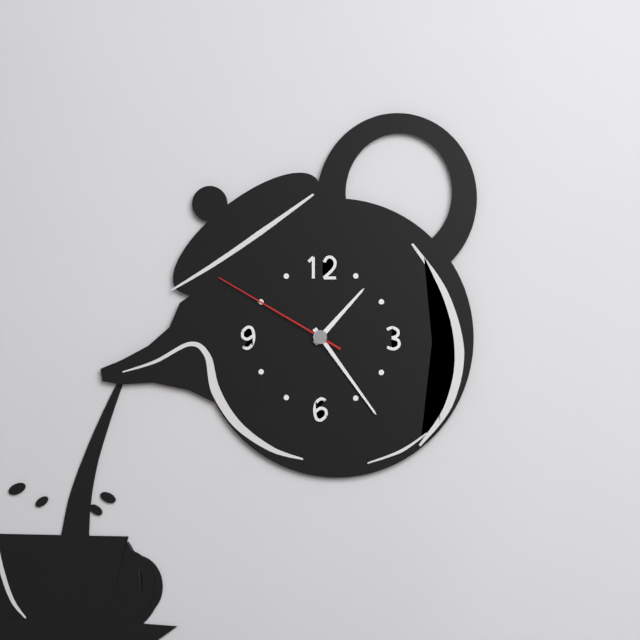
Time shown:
{"hour": 1, "minute": 24, "second": 50}
